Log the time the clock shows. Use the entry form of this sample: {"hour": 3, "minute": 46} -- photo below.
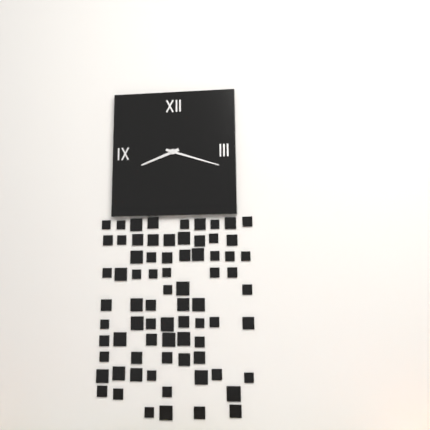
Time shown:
{"hour": 8, "minute": 18}
